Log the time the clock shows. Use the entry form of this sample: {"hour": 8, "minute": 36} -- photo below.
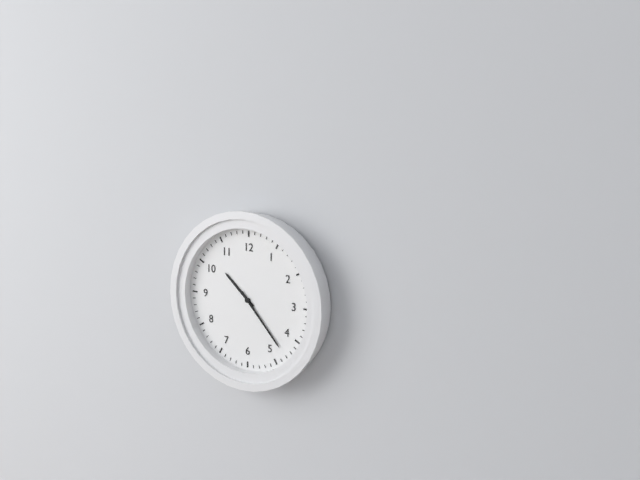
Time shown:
{"hour": 10, "minute": 23}
